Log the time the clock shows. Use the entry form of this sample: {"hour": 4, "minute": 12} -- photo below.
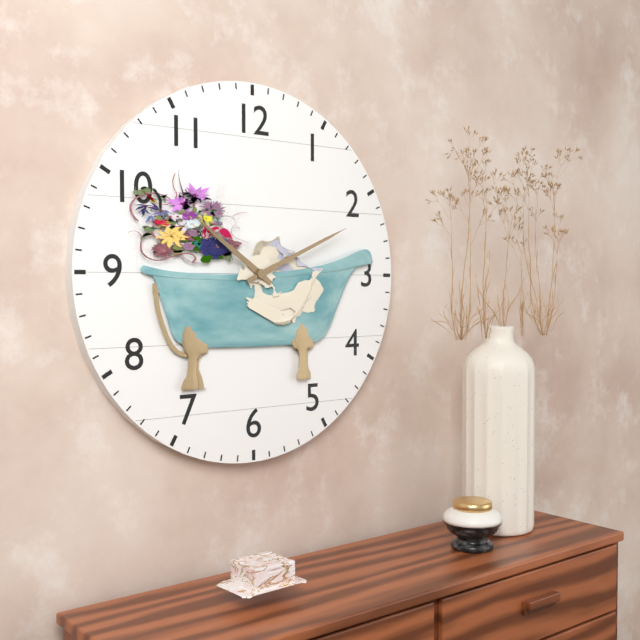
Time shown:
{"hour": 10, "minute": 11}
